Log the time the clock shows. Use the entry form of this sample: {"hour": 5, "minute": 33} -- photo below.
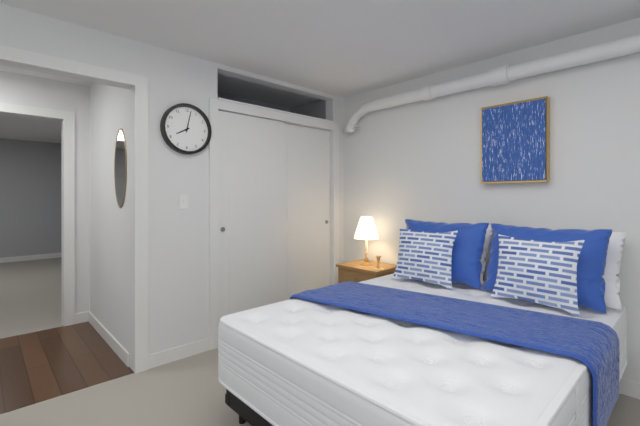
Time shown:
{"hour": 8, "minute": 2}
